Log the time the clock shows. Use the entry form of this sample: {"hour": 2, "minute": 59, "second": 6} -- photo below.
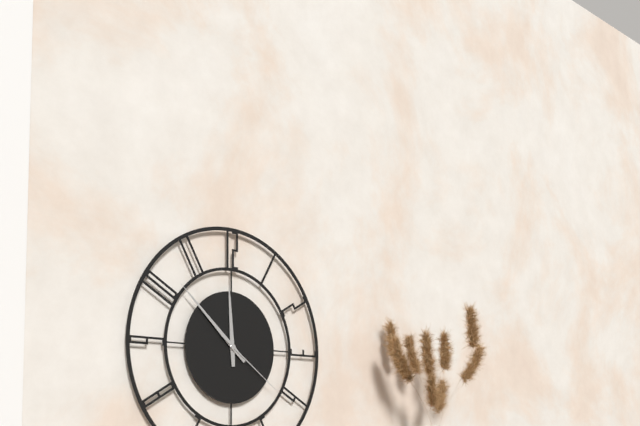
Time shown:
{"hour": 11, "minute": 52, "second": 21}
